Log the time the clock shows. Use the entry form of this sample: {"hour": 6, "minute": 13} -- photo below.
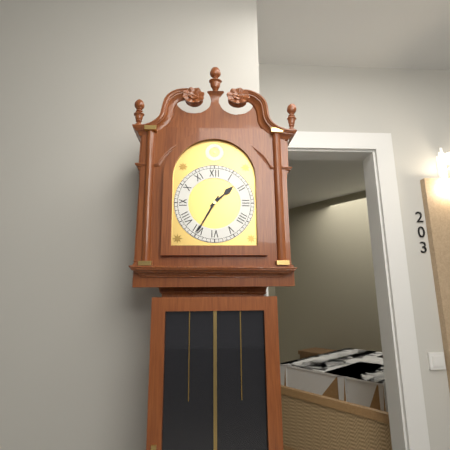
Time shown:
{"hour": 1, "minute": 35}
